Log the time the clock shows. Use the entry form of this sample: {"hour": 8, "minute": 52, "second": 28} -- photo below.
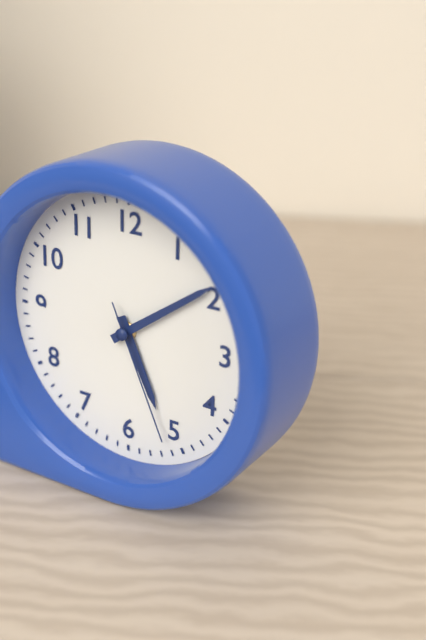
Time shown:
{"hour": 5, "minute": 9, "second": 26}
